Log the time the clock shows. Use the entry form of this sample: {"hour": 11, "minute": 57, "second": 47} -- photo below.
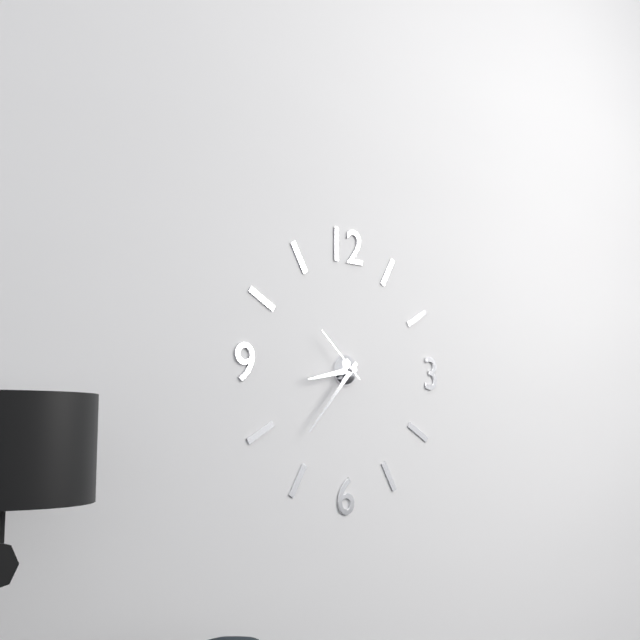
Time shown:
{"hour": 8, "minute": 37, "second": 52}
